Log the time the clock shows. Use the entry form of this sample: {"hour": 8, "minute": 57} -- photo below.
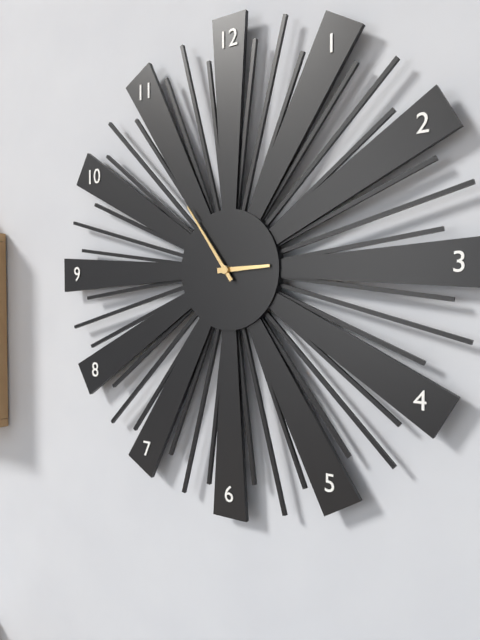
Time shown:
{"hour": 2, "minute": 54}
